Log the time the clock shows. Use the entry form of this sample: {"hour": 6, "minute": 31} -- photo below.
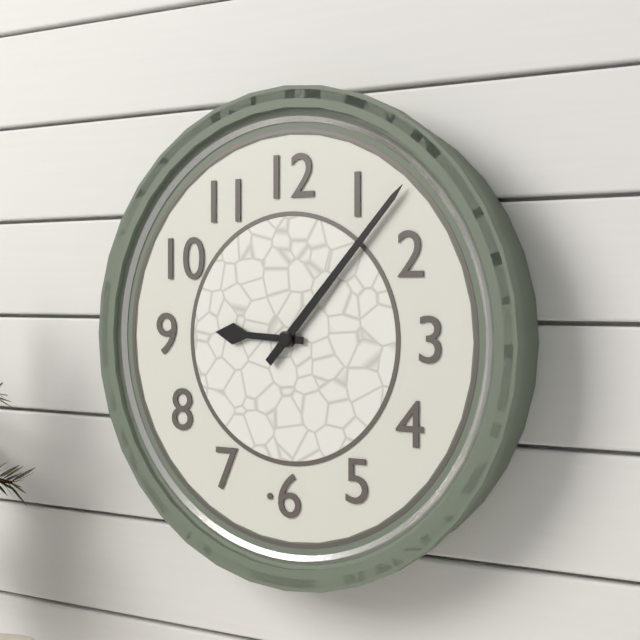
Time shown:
{"hour": 9, "minute": 7}
